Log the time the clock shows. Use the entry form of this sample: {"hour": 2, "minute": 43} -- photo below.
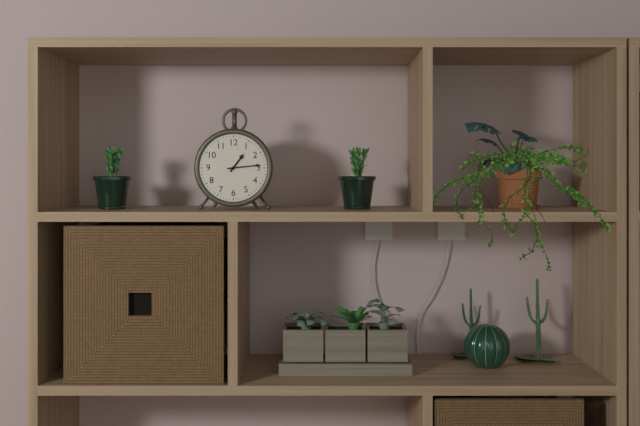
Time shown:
{"hour": 1, "minute": 14}
